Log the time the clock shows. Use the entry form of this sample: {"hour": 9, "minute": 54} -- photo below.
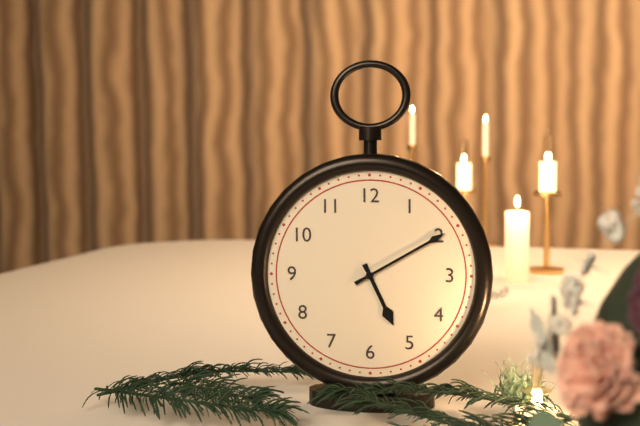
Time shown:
{"hour": 5, "minute": 10}
